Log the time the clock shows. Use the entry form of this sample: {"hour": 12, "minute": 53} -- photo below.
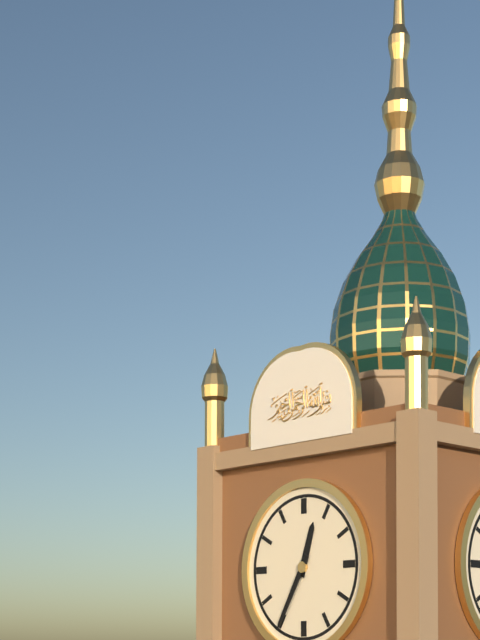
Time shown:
{"hour": 12, "minute": 35}
